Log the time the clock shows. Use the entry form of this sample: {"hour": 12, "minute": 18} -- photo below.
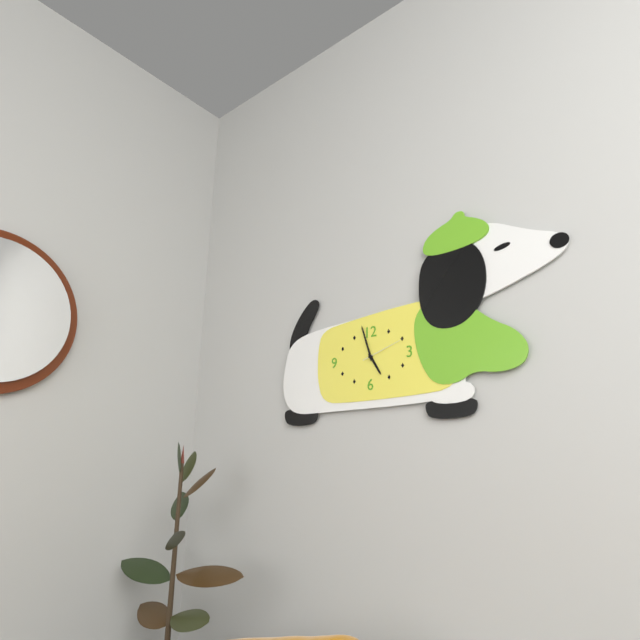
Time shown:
{"hour": 4, "minute": 57}
